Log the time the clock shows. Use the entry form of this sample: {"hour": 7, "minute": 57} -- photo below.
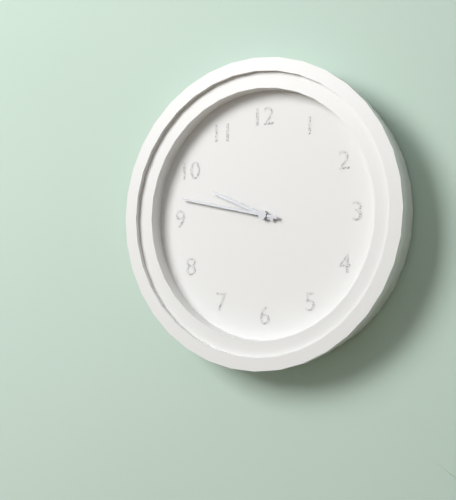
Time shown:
{"hour": 9, "minute": 47}
